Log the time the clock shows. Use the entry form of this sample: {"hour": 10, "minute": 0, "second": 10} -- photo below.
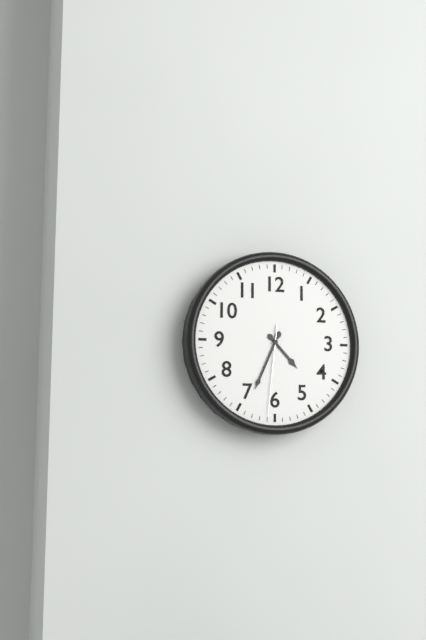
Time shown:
{"hour": 4, "minute": 34, "second": 31}
